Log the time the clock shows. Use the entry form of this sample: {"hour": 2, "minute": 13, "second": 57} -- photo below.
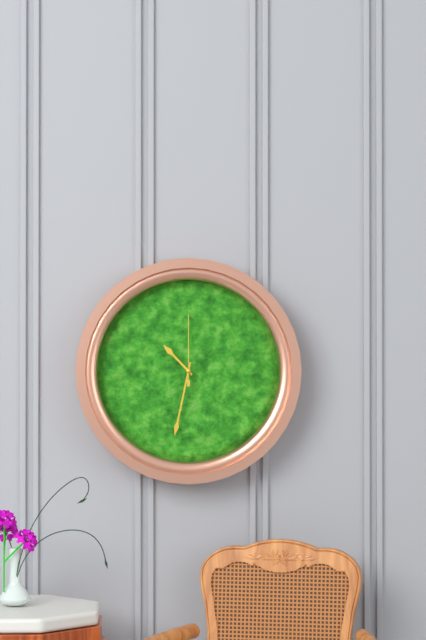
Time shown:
{"hour": 10, "minute": 32, "second": 0}
